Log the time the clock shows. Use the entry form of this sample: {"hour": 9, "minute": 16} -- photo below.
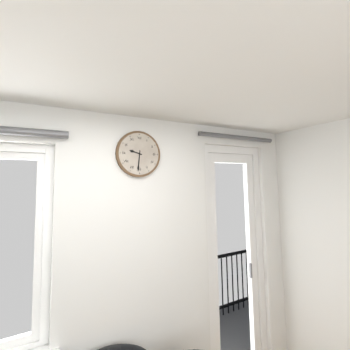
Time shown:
{"hour": 9, "minute": 31}
